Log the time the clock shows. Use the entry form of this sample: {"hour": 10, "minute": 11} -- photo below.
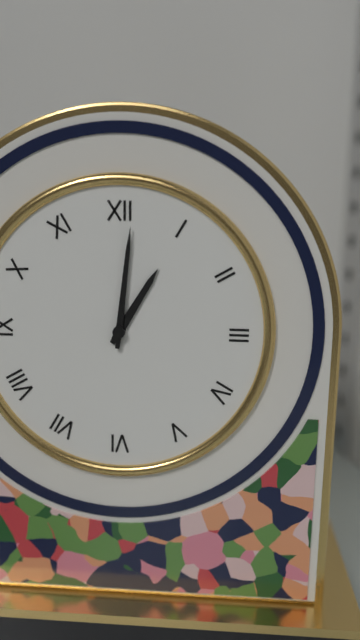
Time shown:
{"hour": 1, "minute": 1}
